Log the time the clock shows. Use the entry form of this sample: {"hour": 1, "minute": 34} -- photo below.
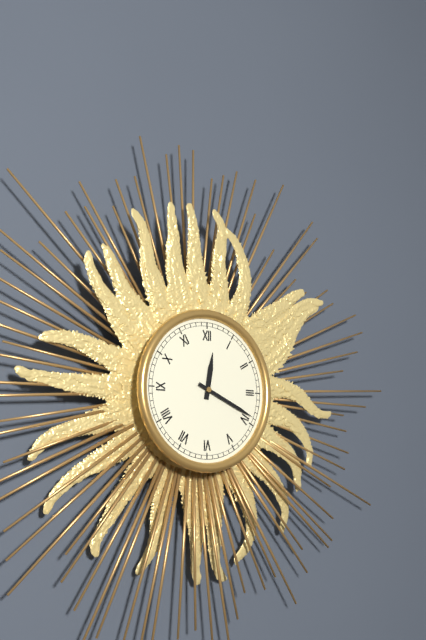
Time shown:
{"hour": 12, "minute": 19}
